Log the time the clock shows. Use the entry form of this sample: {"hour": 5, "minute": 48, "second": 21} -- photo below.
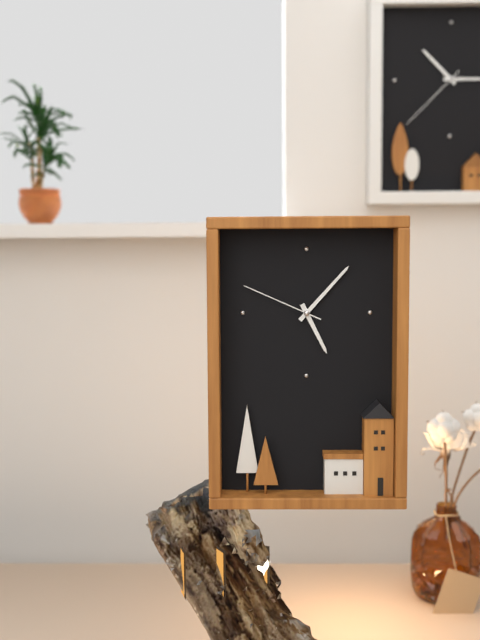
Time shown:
{"hour": 5, "minute": 7, "second": 49}
